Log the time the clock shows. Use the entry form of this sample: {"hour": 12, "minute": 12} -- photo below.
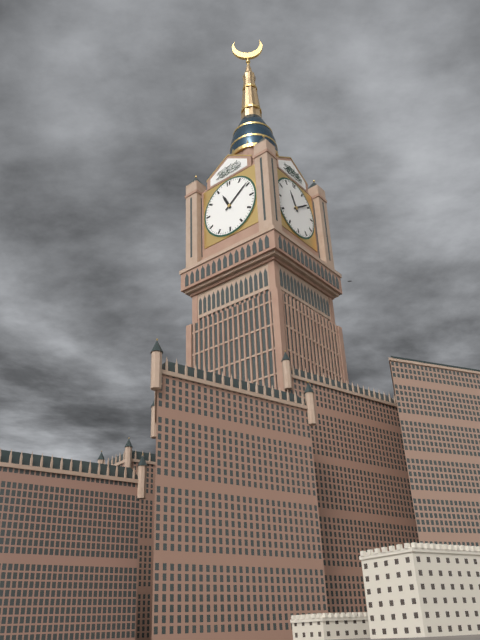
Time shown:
{"hour": 11, "minute": 9}
